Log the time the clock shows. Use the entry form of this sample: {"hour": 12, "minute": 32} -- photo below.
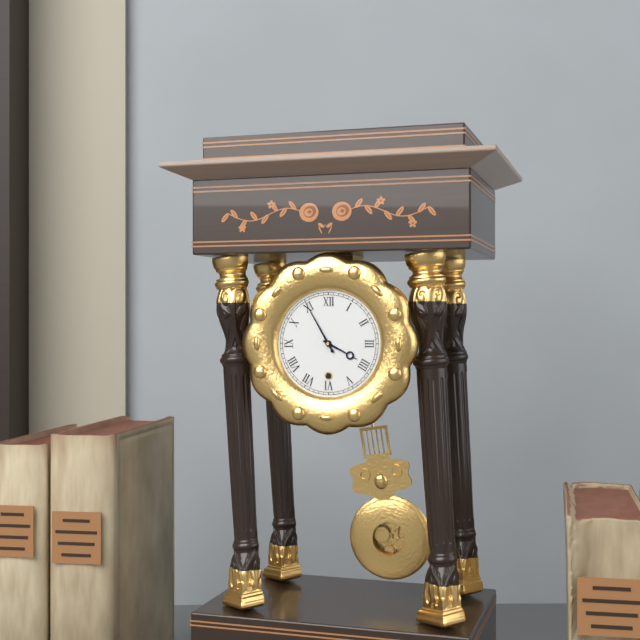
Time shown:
{"hour": 3, "minute": 55}
